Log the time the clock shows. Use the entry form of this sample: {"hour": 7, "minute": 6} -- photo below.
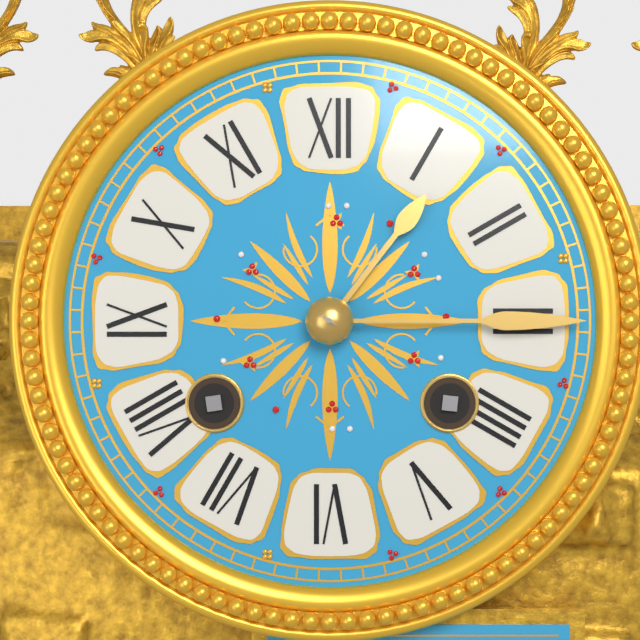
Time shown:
{"hour": 1, "minute": 15}
